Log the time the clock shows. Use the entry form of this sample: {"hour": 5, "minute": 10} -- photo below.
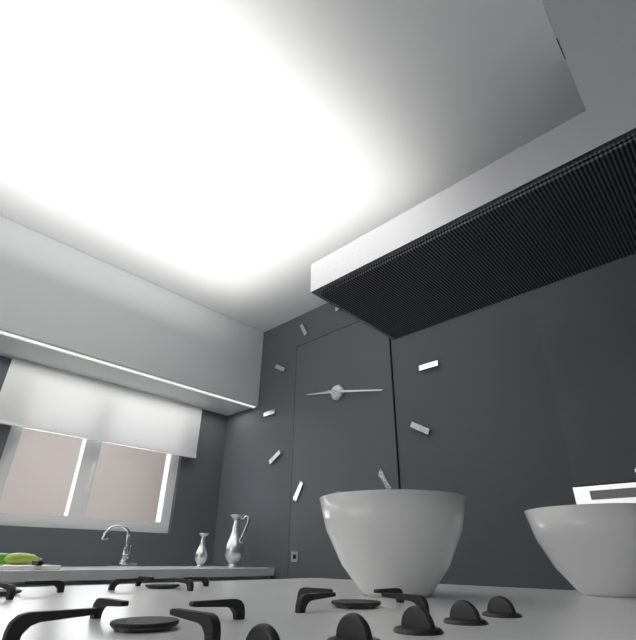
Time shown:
{"hour": 9, "minute": 17}
